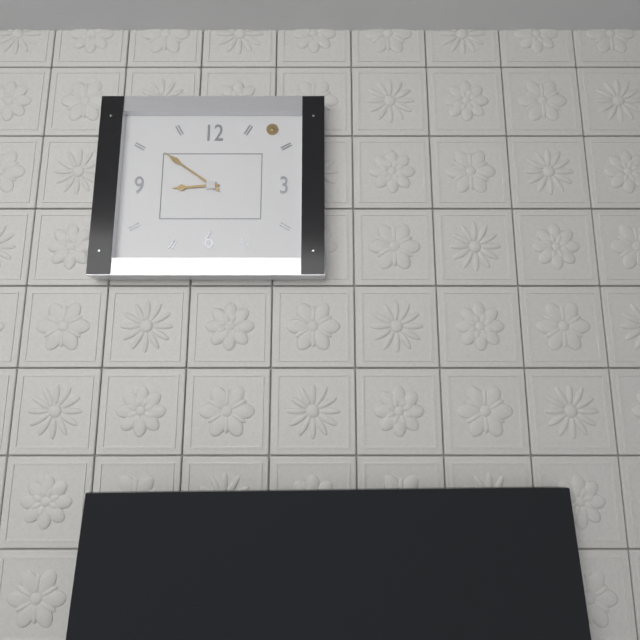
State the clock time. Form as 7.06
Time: 8.51
